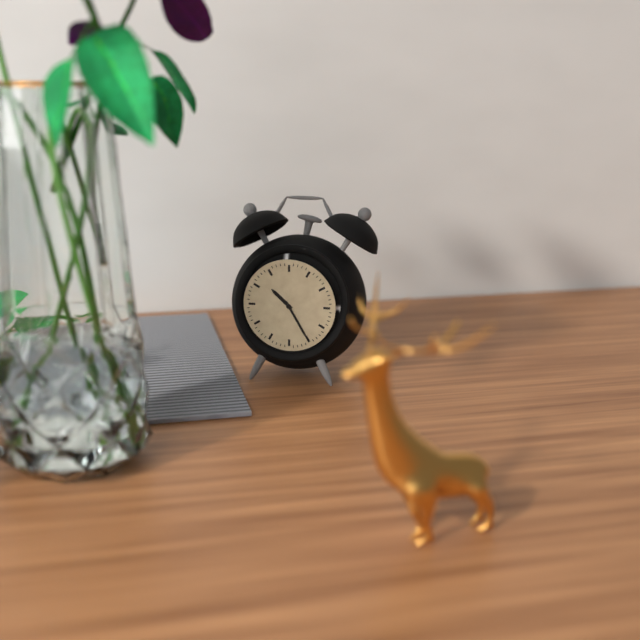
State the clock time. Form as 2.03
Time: 10.25
